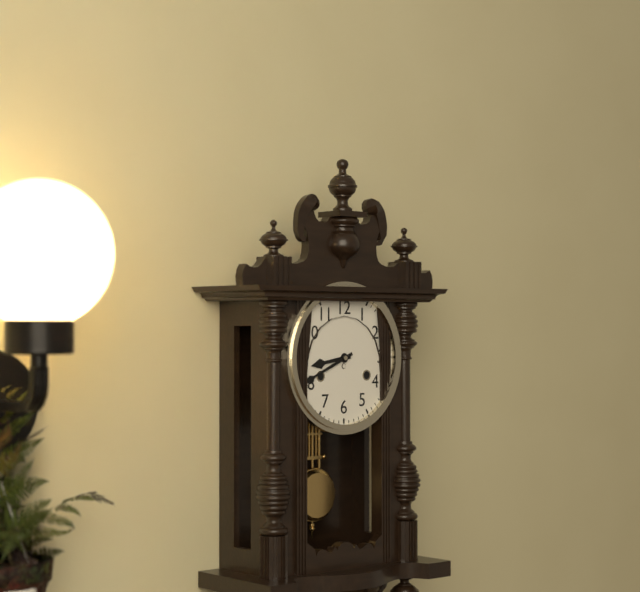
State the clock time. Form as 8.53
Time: 8.41
